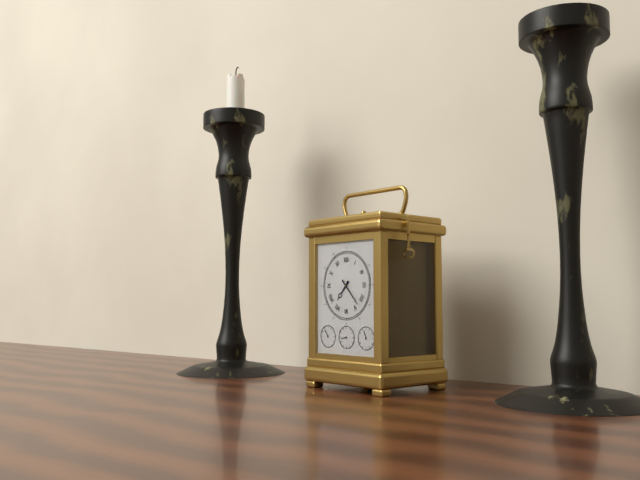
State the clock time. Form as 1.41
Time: 7.23
